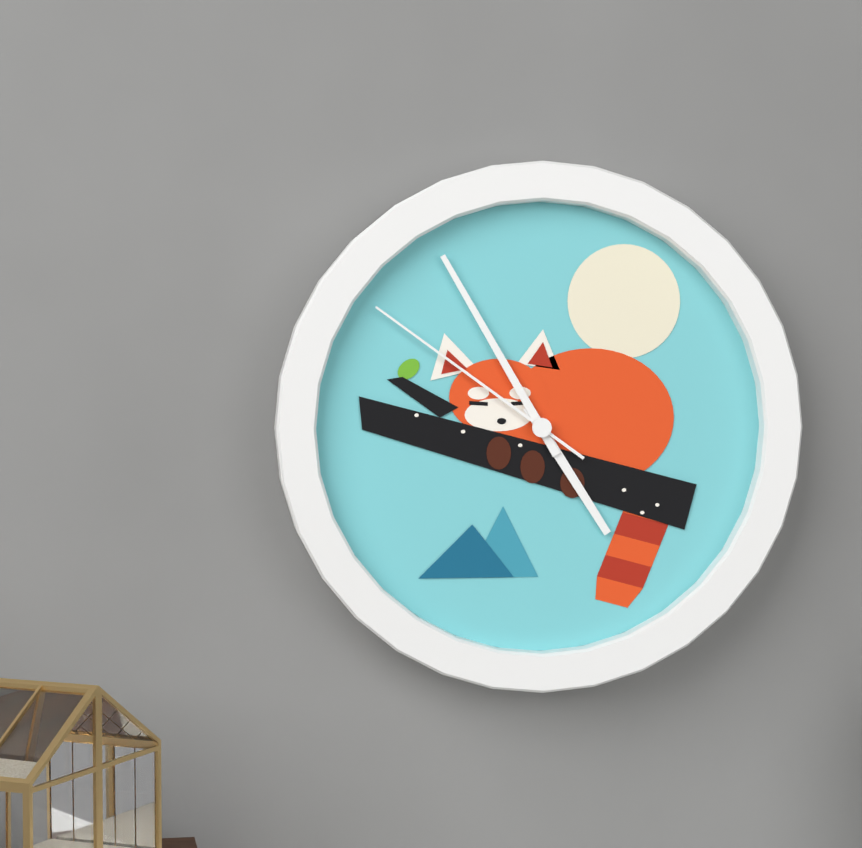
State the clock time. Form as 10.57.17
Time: 4.55.51
